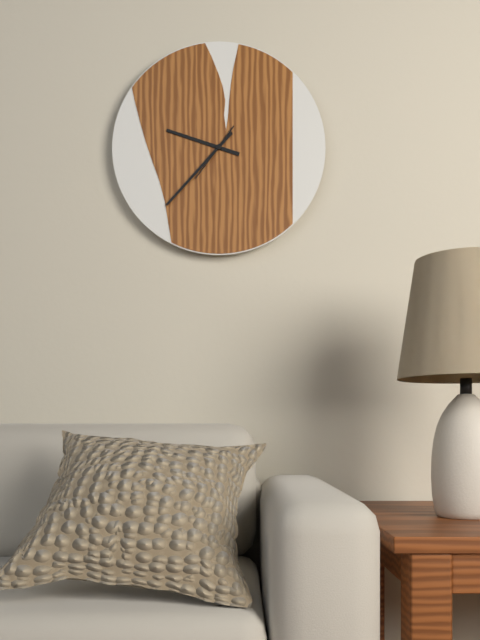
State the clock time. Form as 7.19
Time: 9.37
